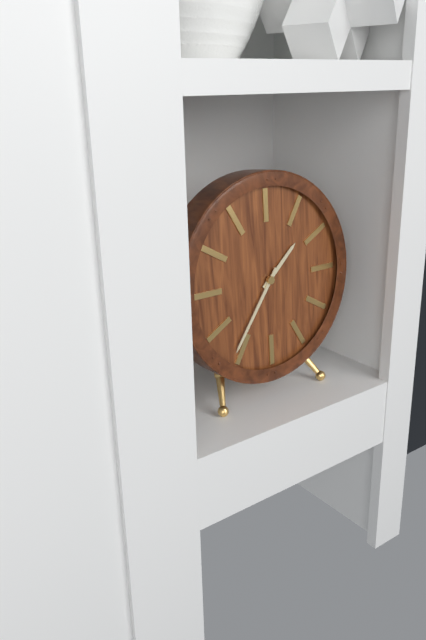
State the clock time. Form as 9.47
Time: 1.36
